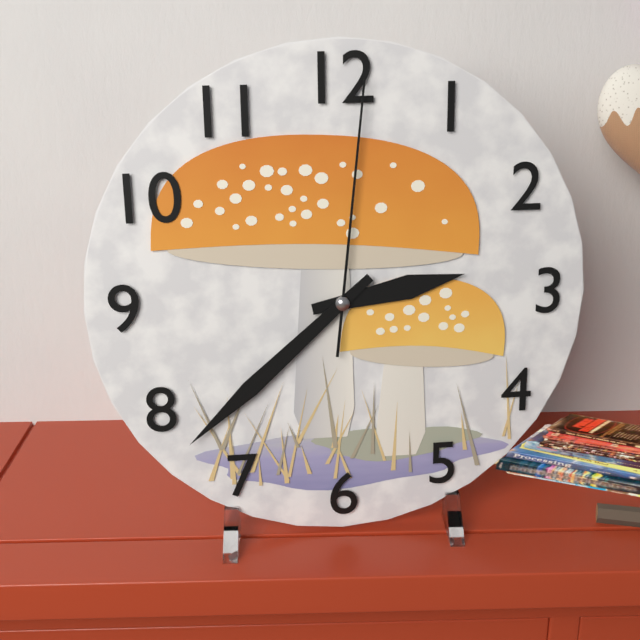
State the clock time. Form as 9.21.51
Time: 2.38.01
